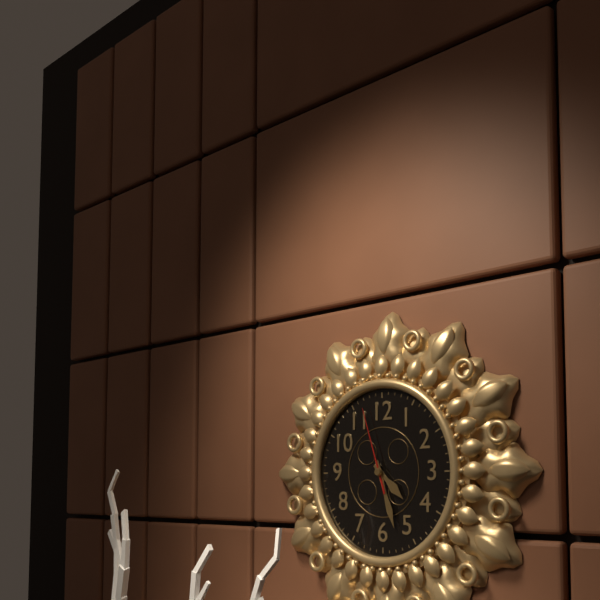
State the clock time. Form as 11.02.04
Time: 4.27.57
